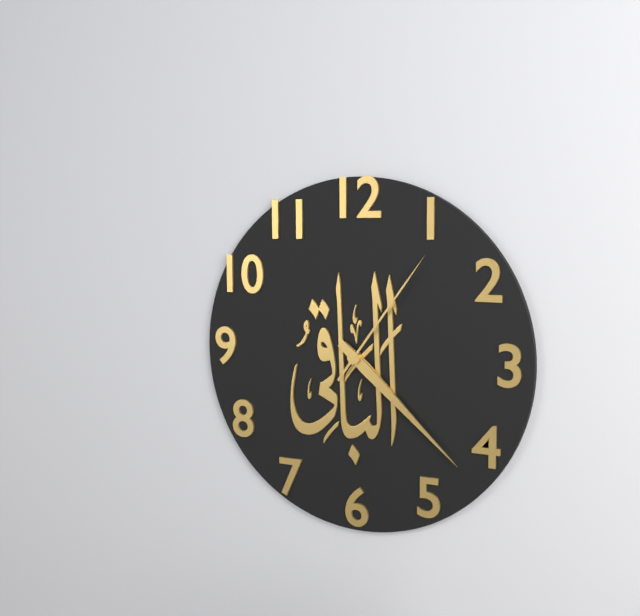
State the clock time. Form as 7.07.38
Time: 4.22.06
